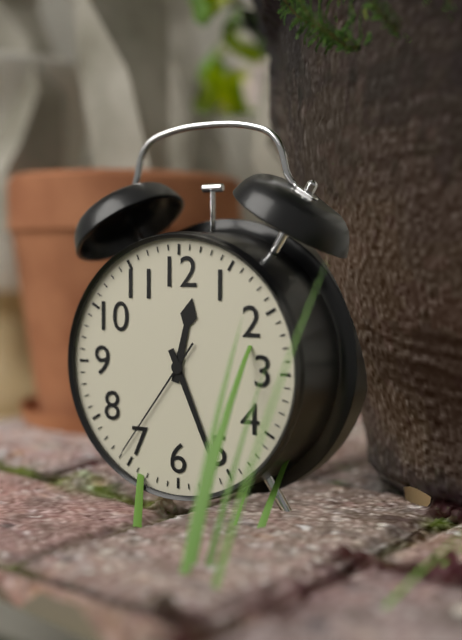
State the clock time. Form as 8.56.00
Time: 12.26.36
